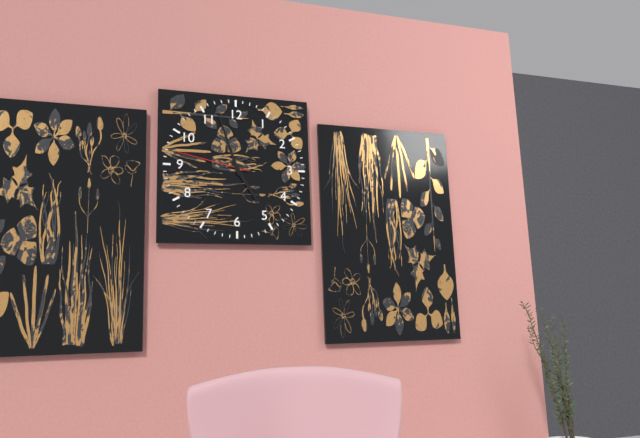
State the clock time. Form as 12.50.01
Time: 4.57.47
